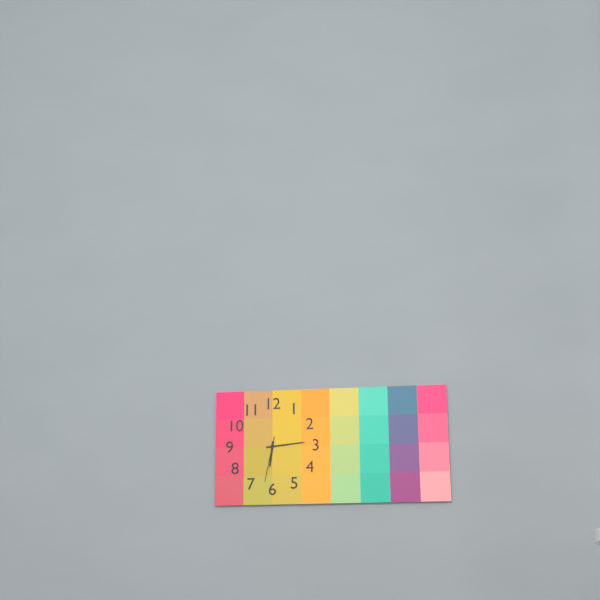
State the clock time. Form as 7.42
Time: 6.14
